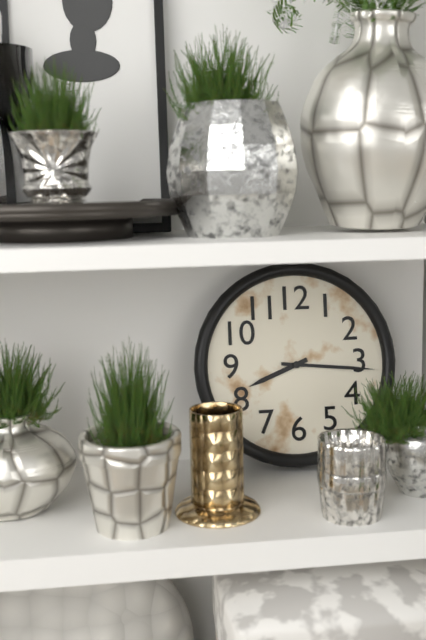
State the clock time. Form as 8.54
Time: 8.16
